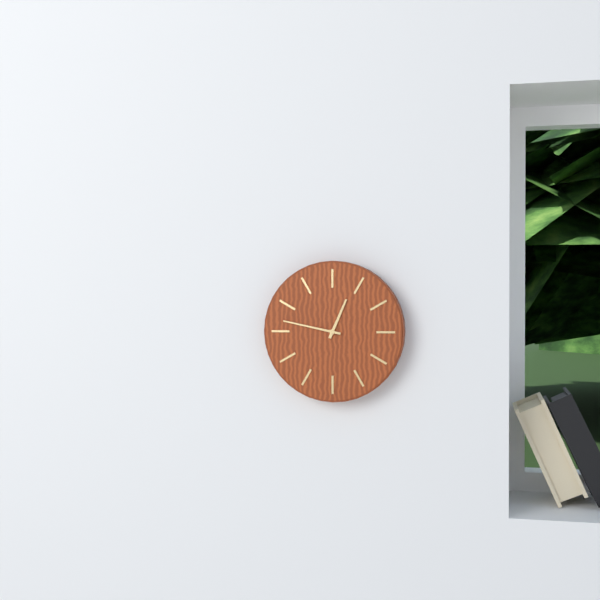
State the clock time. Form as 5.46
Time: 12.47
